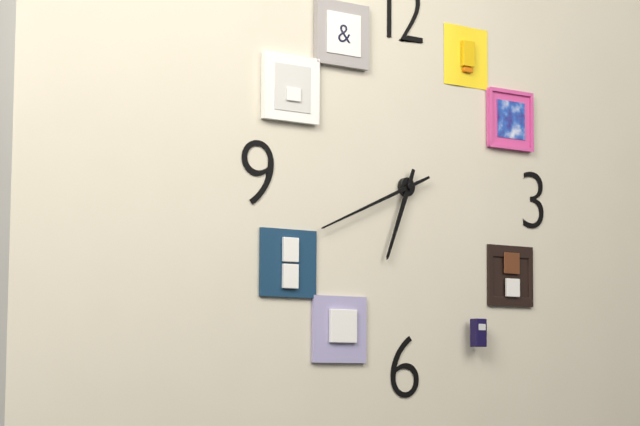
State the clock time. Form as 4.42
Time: 6.41
